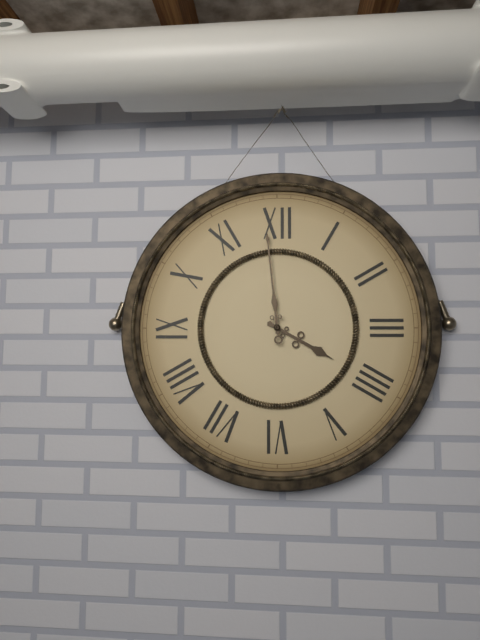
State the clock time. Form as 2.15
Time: 3.59
